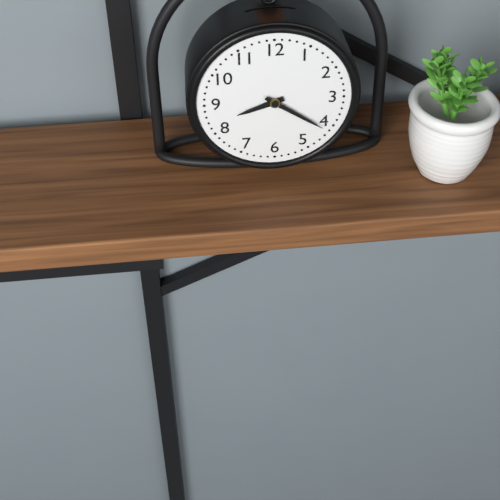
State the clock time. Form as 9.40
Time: 8.21
